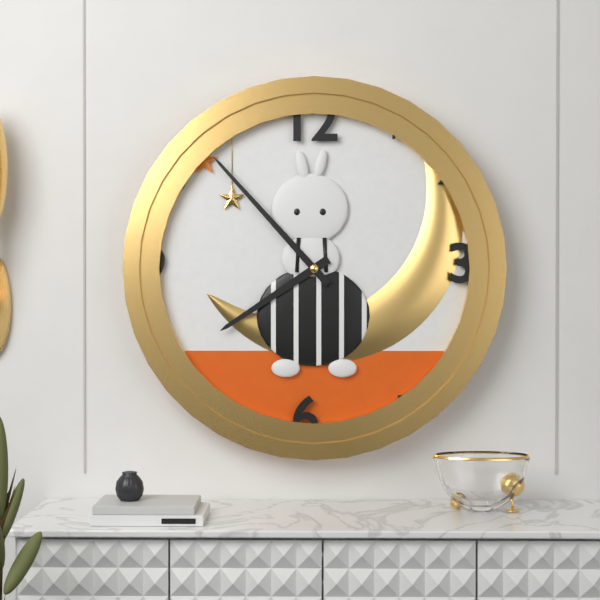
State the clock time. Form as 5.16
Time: 7.53
